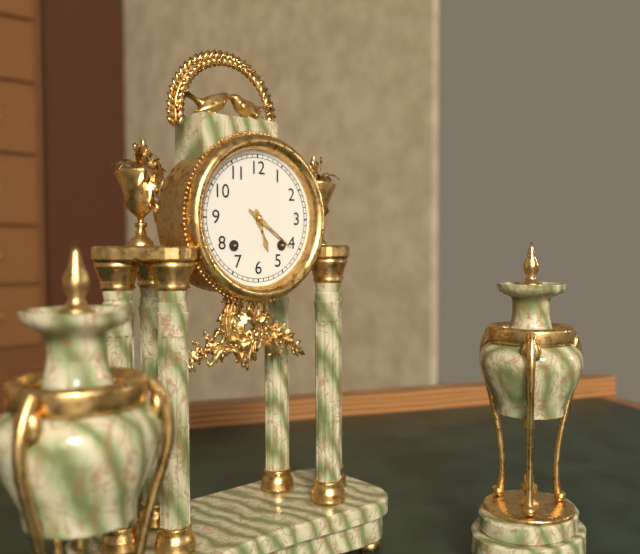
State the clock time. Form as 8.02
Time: 5.21
